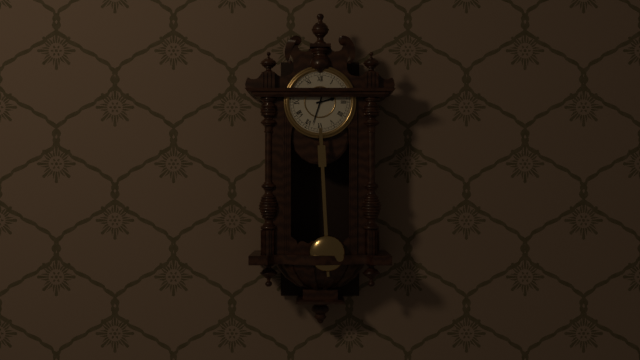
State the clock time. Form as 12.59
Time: 2.33
